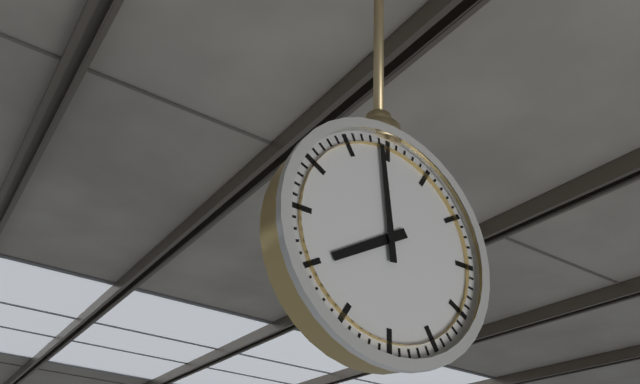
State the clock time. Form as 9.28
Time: 7.59
